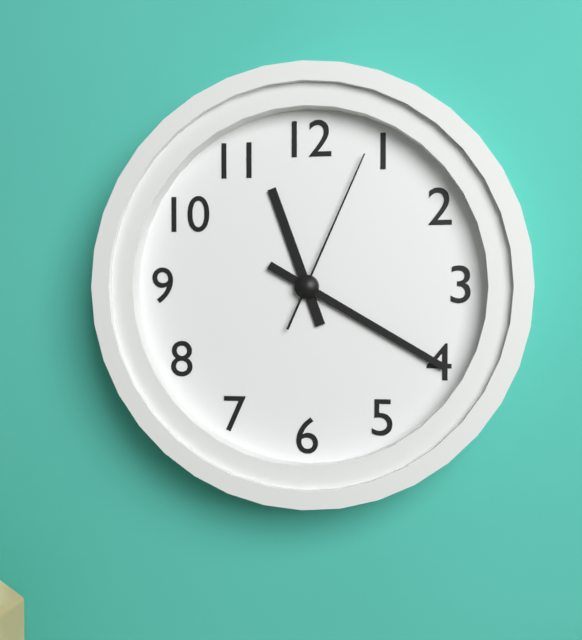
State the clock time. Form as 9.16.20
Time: 11.20.04
